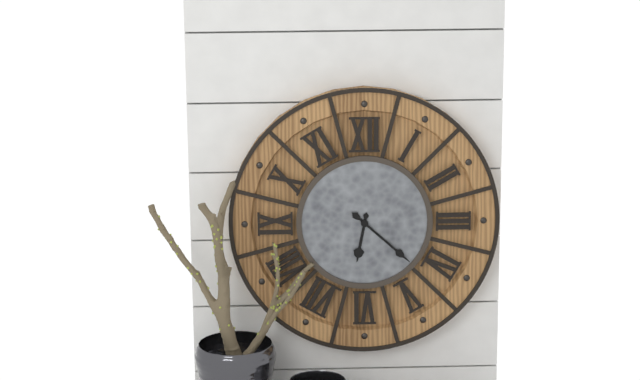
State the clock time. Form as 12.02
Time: 6.22
